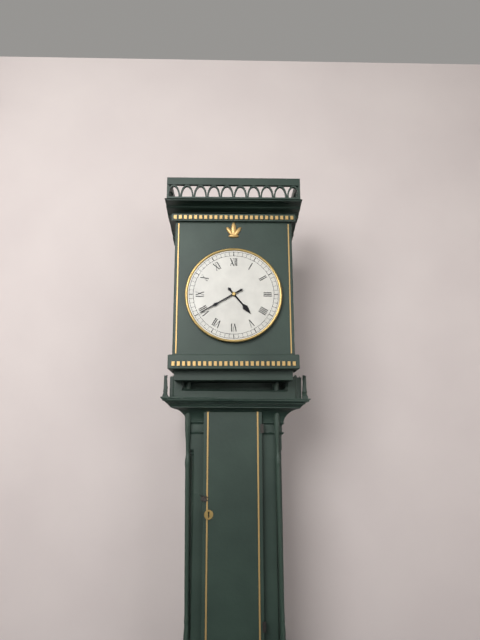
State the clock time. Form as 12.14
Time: 4.40
